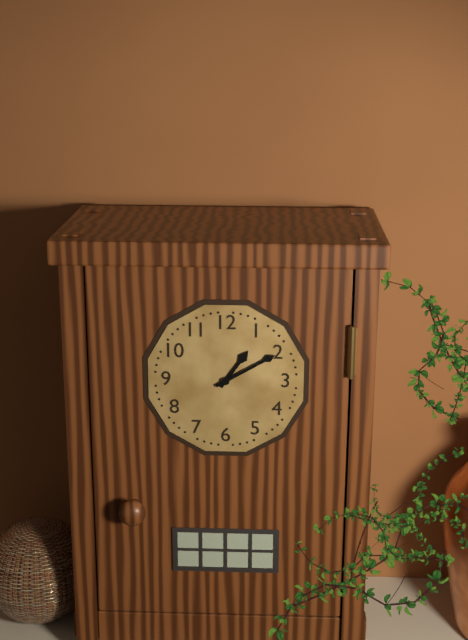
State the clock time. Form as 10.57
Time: 1.10
